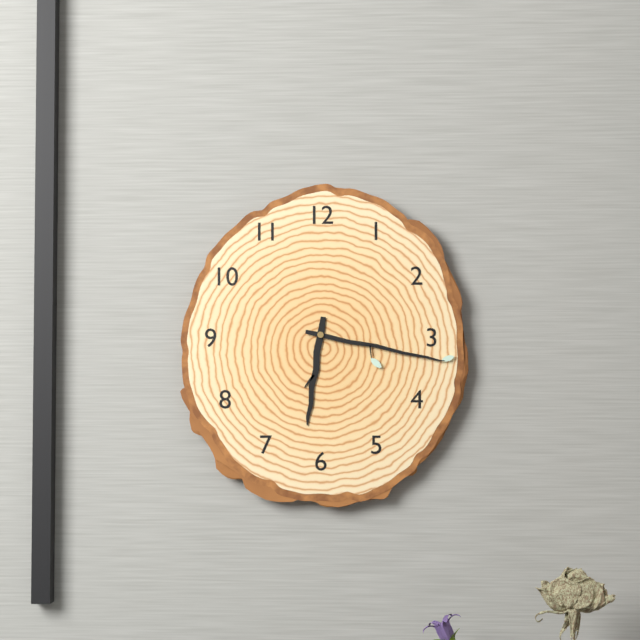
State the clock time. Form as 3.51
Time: 6.17
